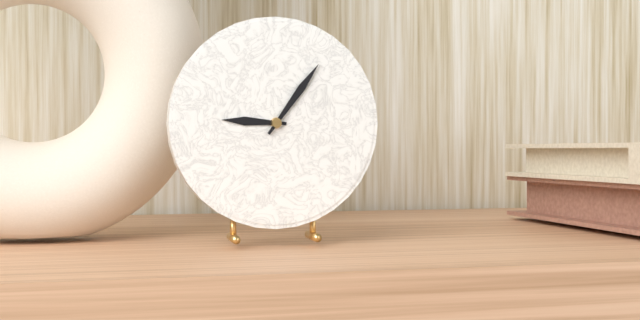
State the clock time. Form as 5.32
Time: 9.06
